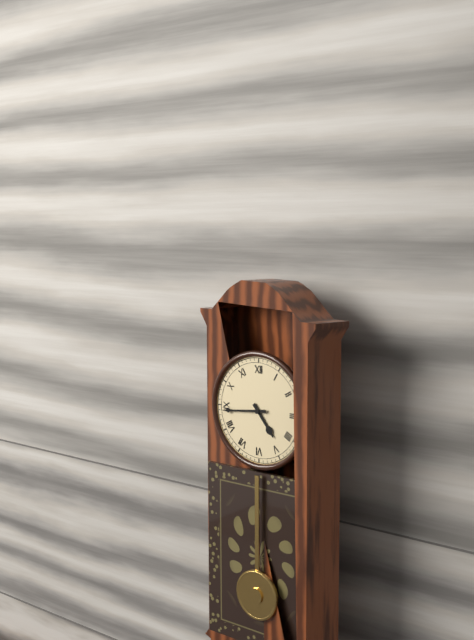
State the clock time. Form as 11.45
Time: 4.44
